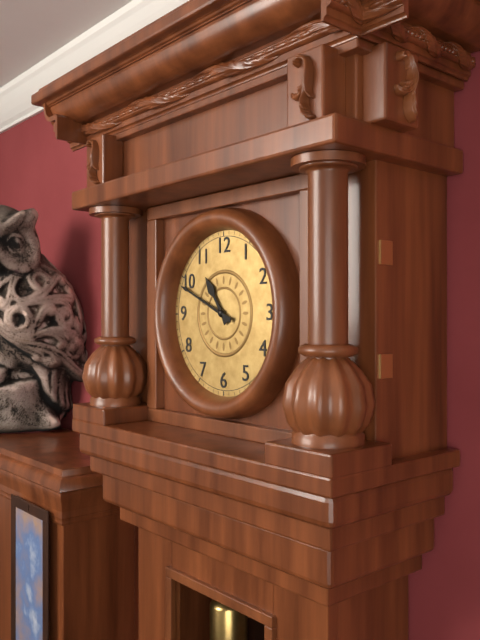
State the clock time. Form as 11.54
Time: 10.49
